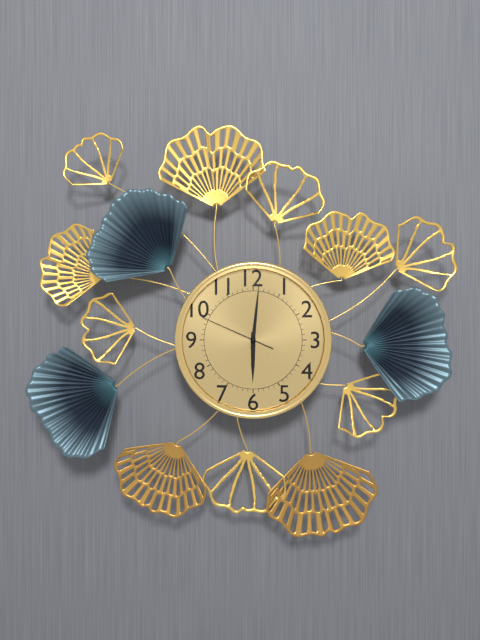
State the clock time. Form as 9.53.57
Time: 6.01.49
